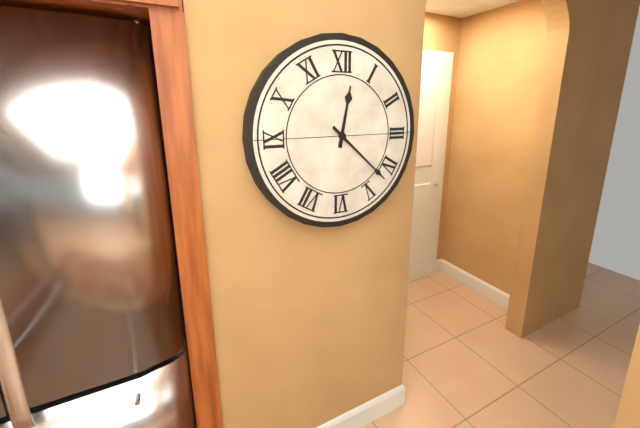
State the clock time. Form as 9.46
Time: 12.22
